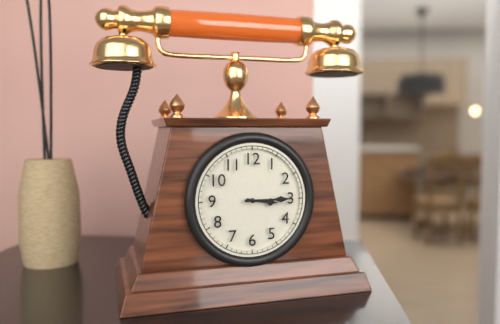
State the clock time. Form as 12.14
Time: 3.15
